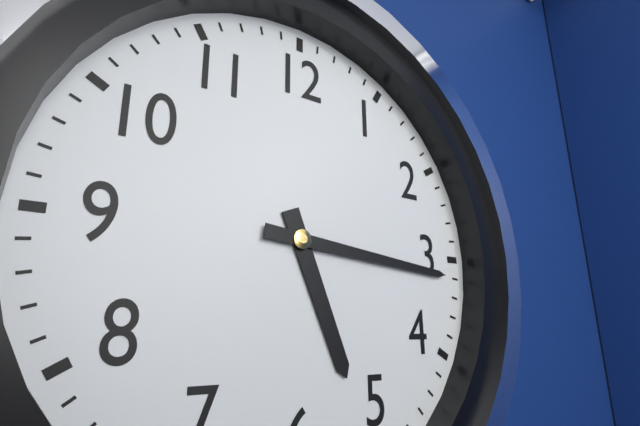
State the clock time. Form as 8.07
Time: 5.16
